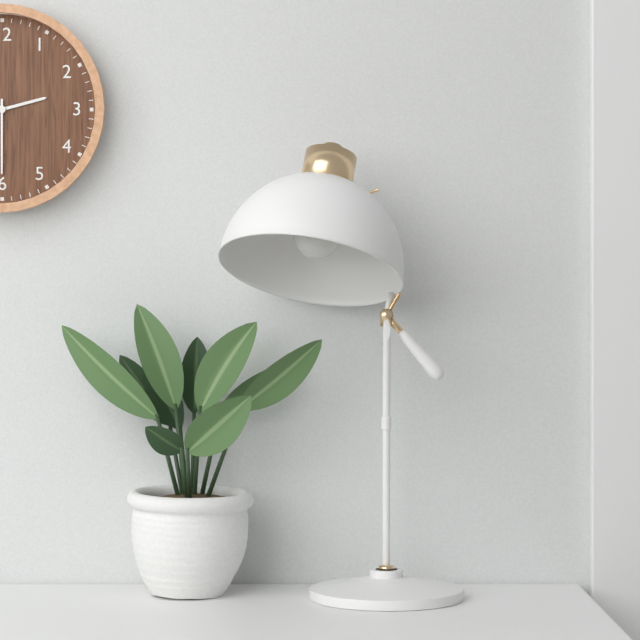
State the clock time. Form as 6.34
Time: 2.30
